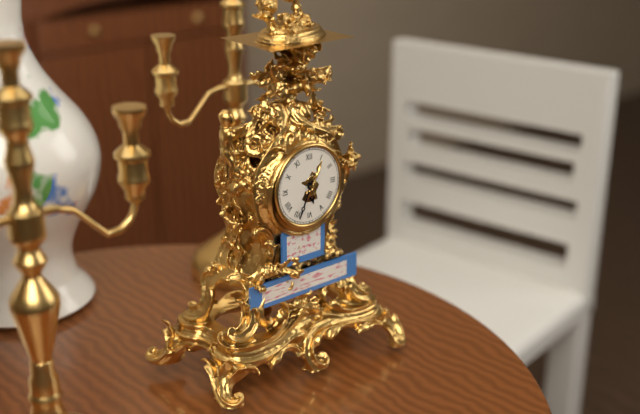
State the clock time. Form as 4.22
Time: 5.34
